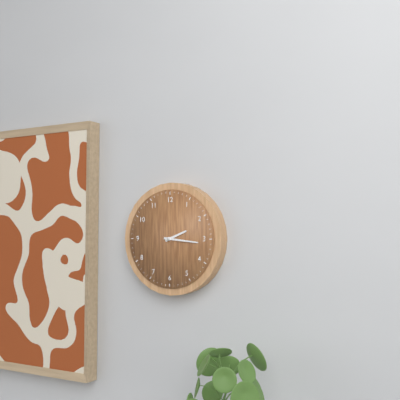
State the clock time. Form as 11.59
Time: 2.16
